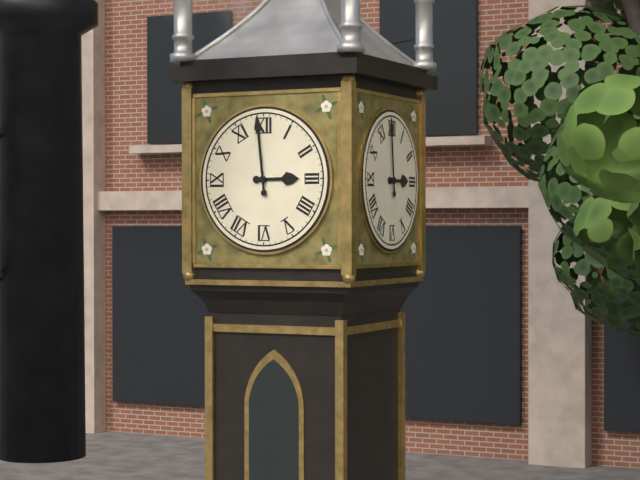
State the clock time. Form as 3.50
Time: 2.59
